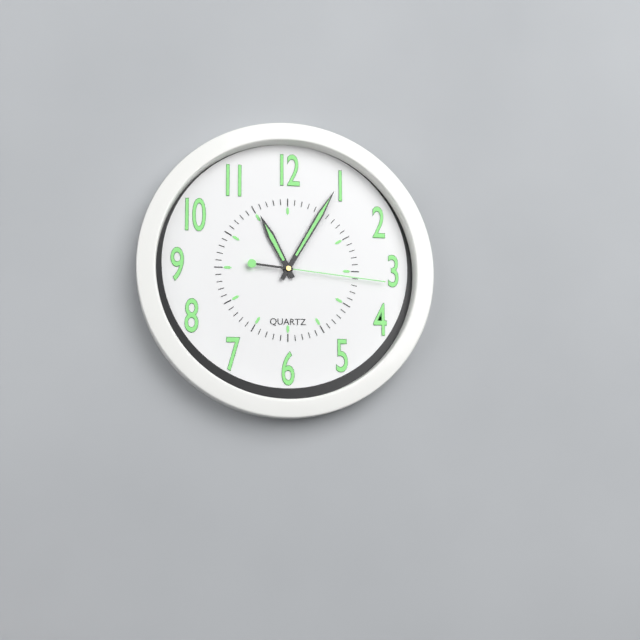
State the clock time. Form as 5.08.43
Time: 11.05.16
